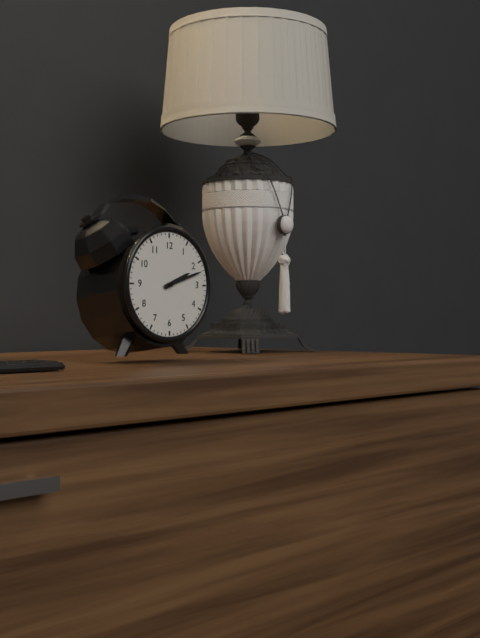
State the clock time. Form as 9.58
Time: 2.12
